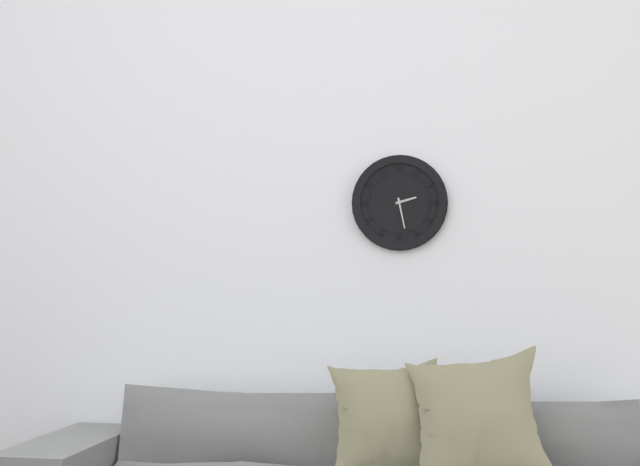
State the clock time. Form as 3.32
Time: 2.28
